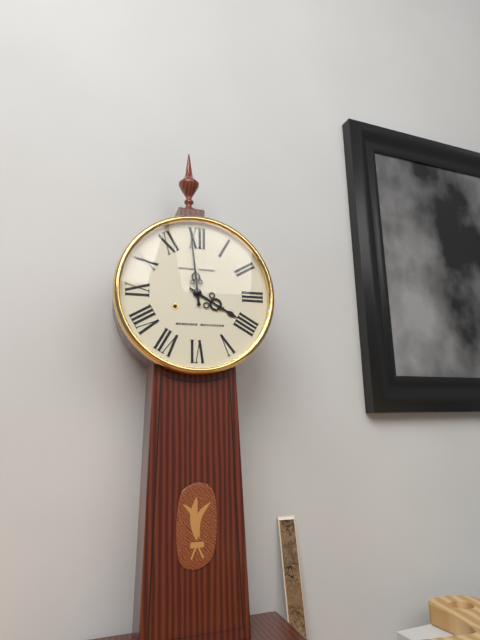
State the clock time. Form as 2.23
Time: 3.59
